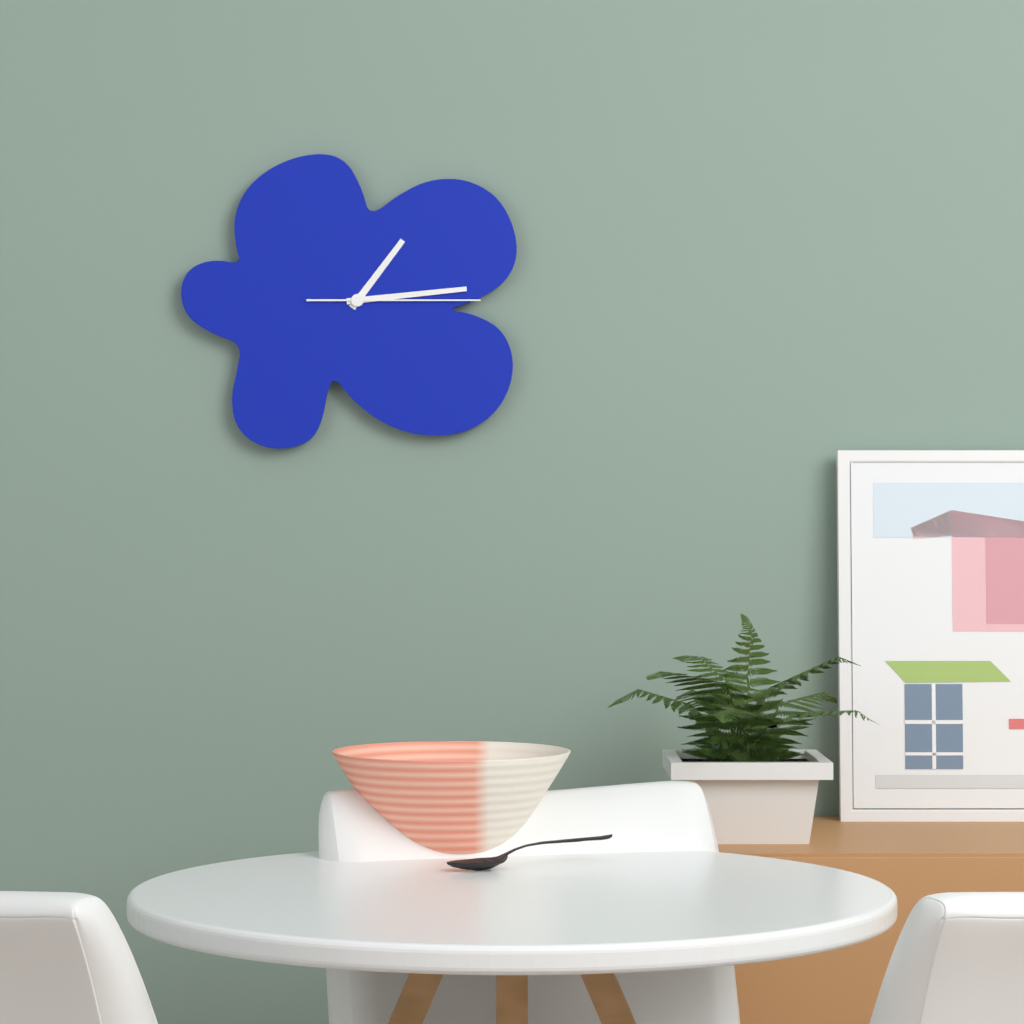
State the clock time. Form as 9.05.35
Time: 1.14.15
